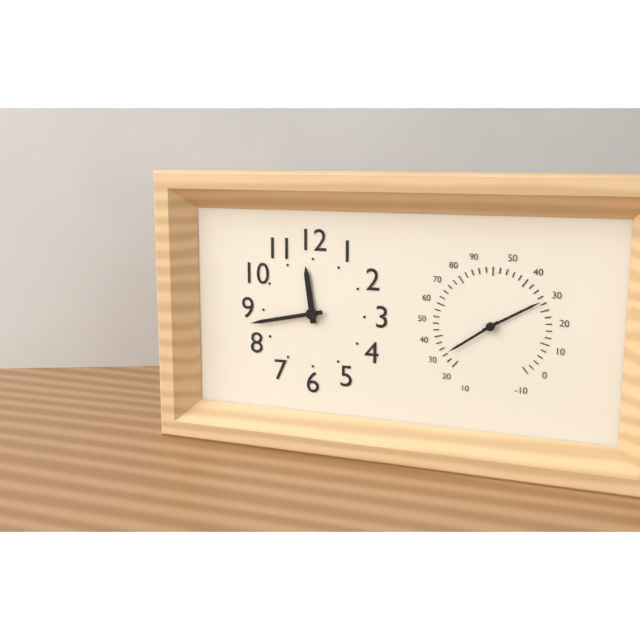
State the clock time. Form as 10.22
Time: 11.43
